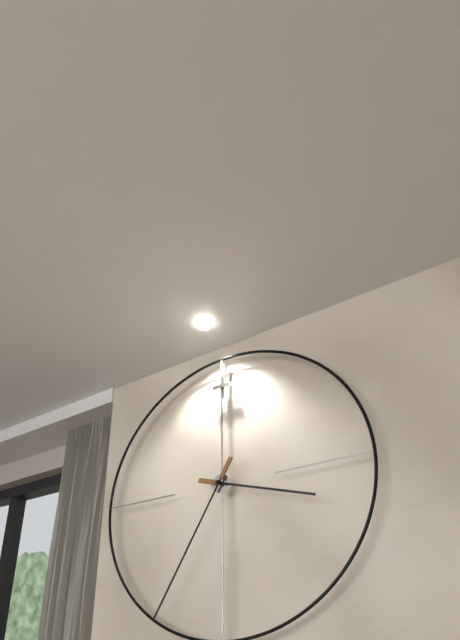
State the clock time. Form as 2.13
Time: 3.35
